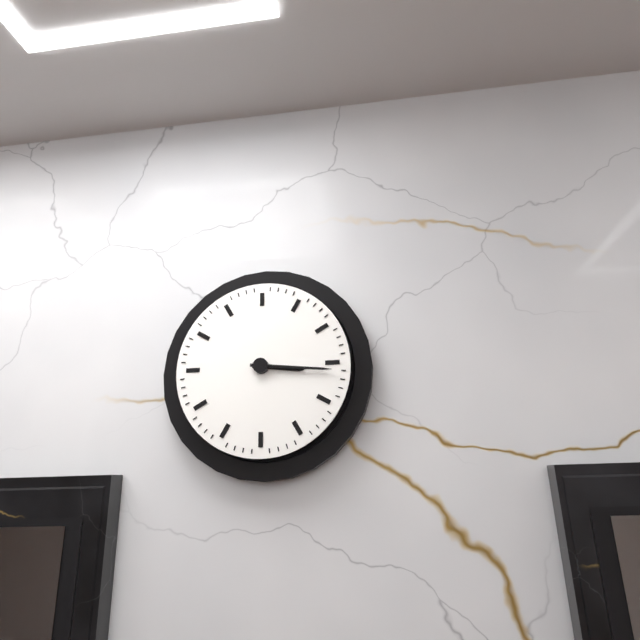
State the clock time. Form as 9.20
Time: 3.16
